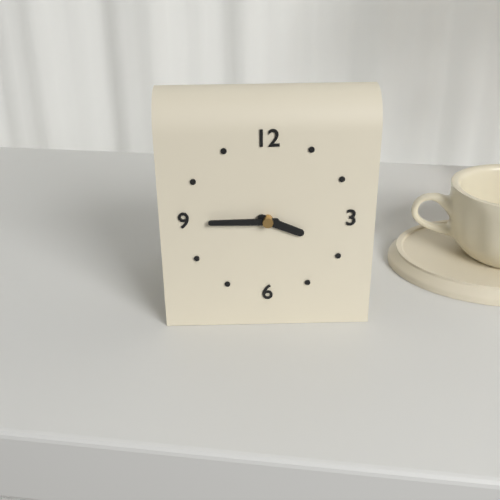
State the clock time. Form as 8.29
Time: 3.45
